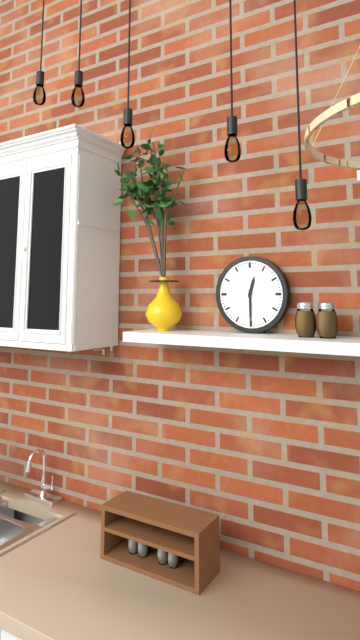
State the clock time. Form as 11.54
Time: 12.30
